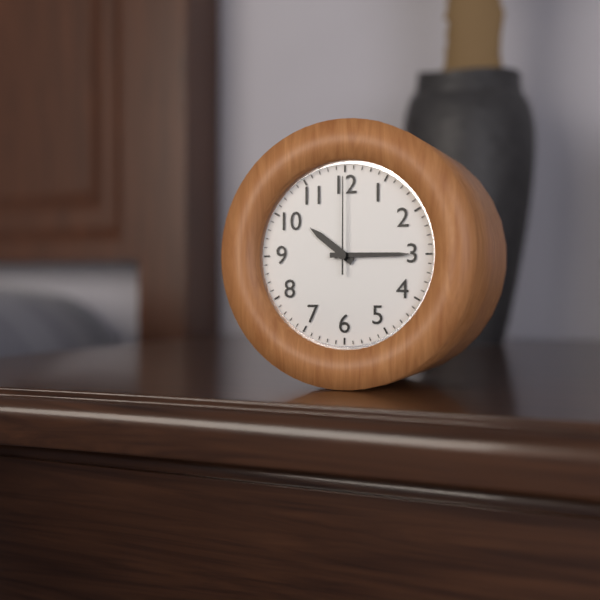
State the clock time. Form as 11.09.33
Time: 10.15.00
